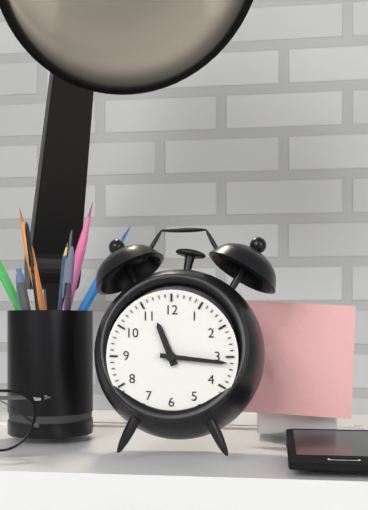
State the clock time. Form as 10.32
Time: 11.16
